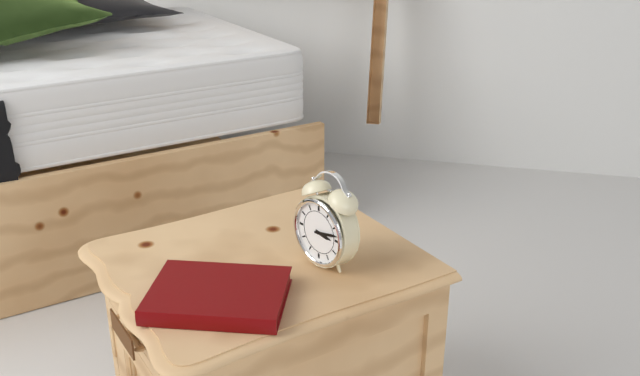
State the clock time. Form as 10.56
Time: 3.13
